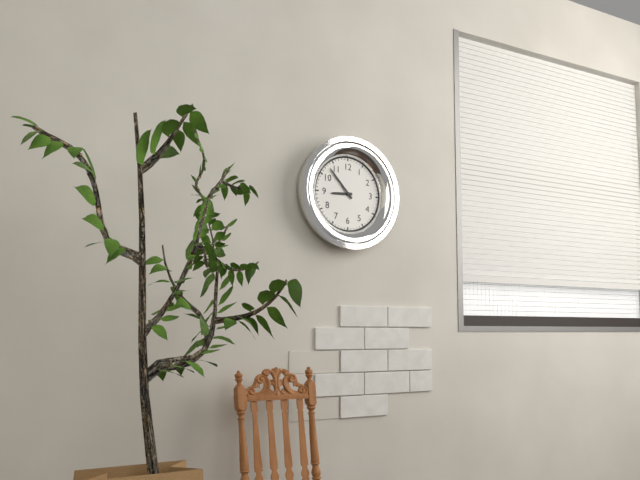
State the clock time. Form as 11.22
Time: 8.53
